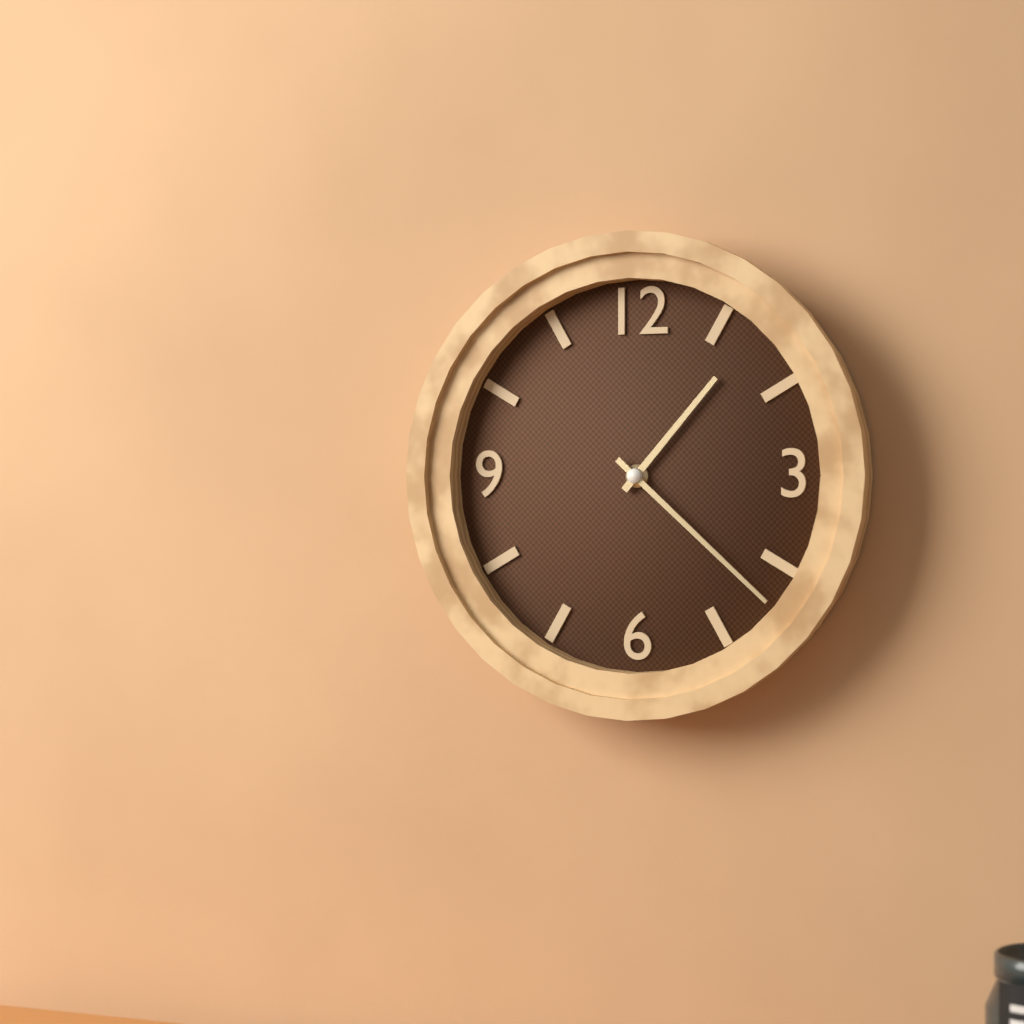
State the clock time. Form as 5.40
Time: 1.22
